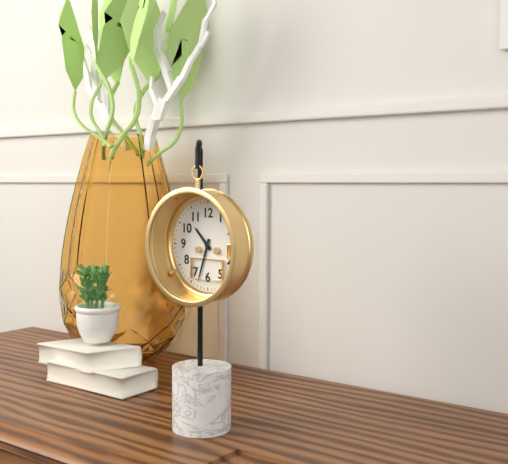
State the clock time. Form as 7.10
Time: 10.33
